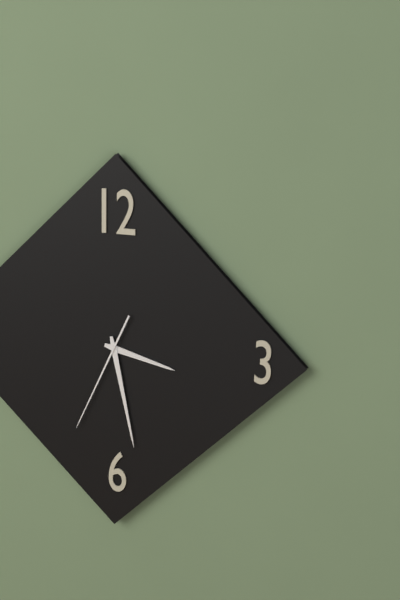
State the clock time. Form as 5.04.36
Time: 3.28.34
